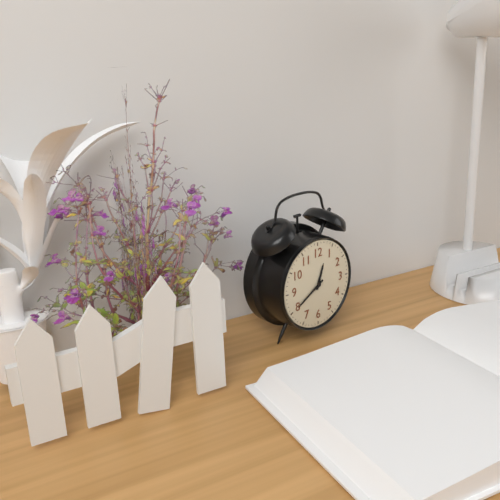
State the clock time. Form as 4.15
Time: 12.40
